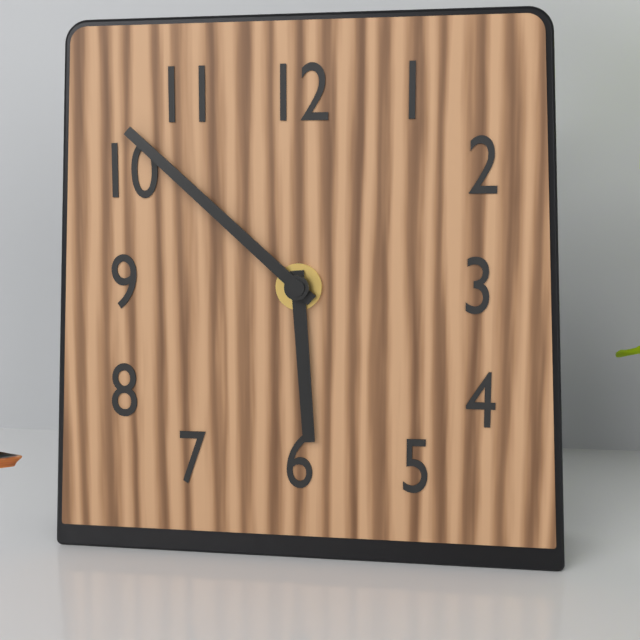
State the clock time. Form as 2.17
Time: 5.52
